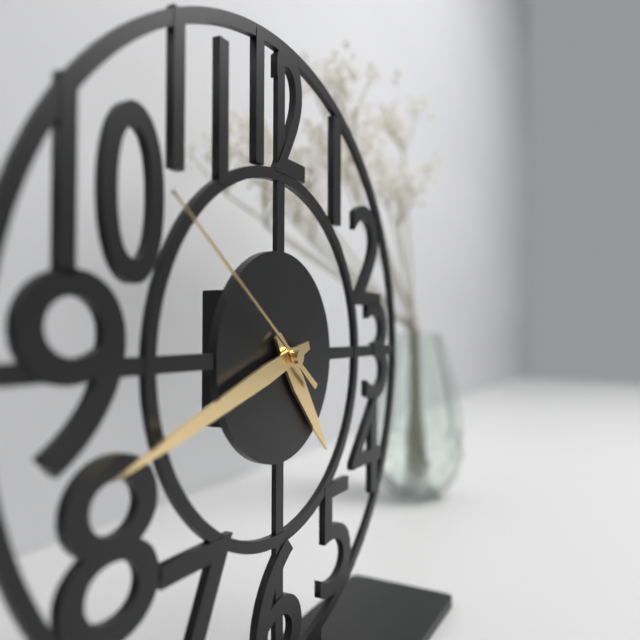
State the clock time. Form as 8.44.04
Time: 4.42.51
